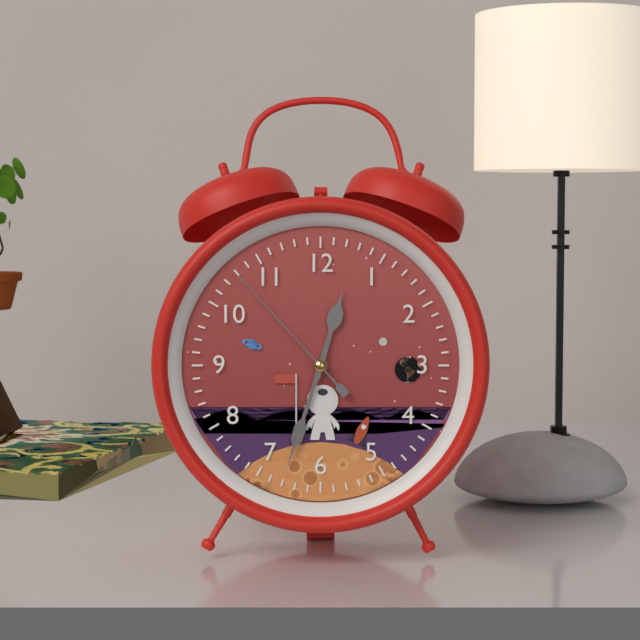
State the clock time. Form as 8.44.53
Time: 12.33.53
